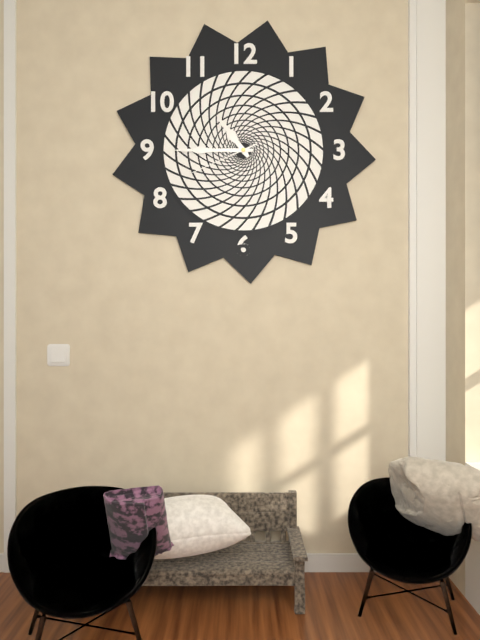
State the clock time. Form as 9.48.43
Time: 10.45.41
